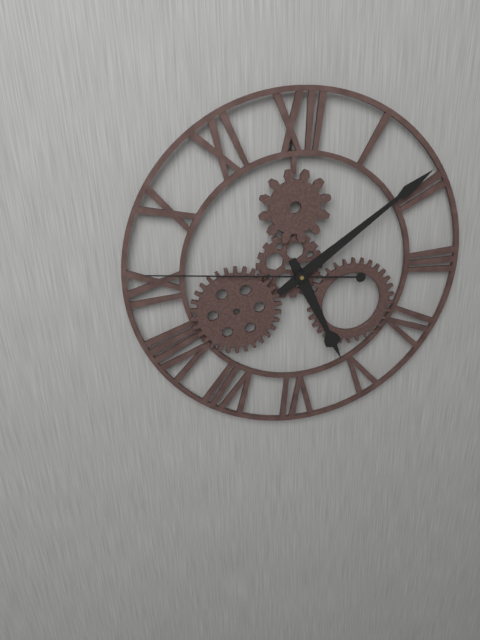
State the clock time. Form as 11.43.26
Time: 5.09.46
